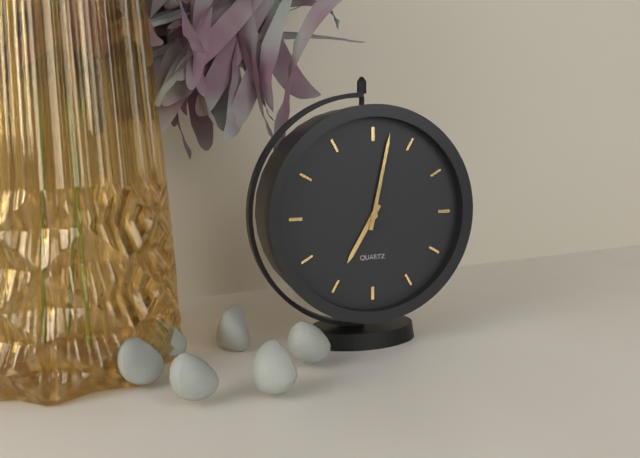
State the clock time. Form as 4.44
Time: 7.02
